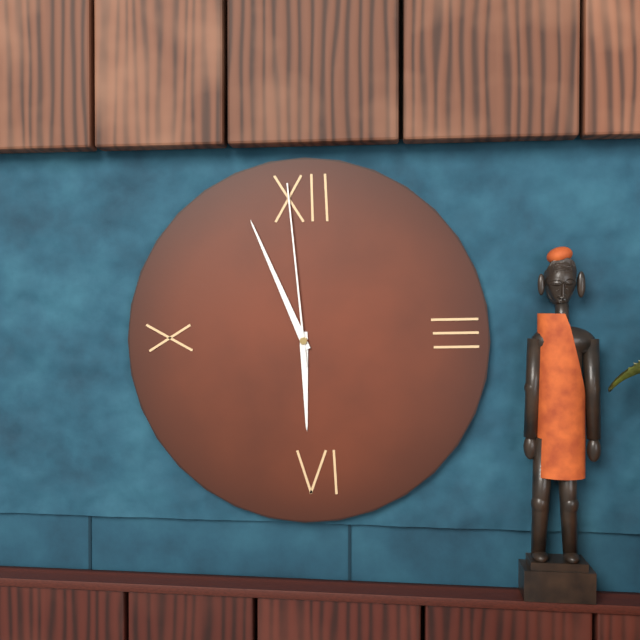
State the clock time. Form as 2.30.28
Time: 5.56.59
